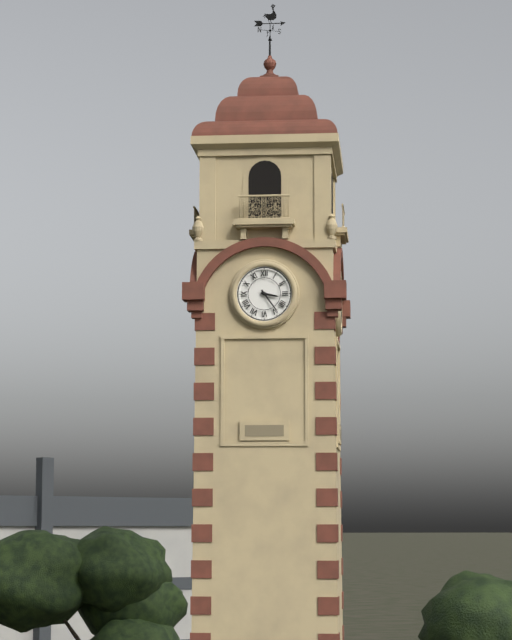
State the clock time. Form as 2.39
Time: 3.24
